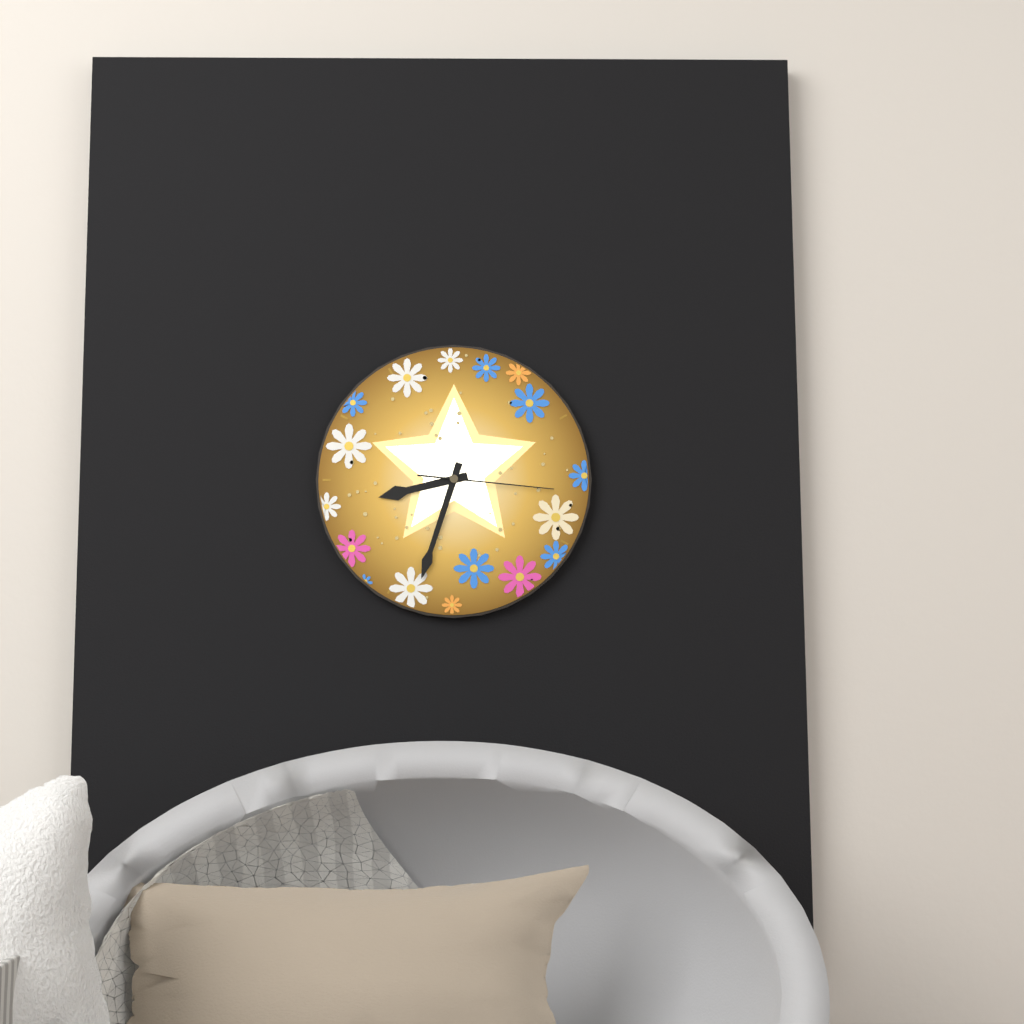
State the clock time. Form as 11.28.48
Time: 8.33.16
